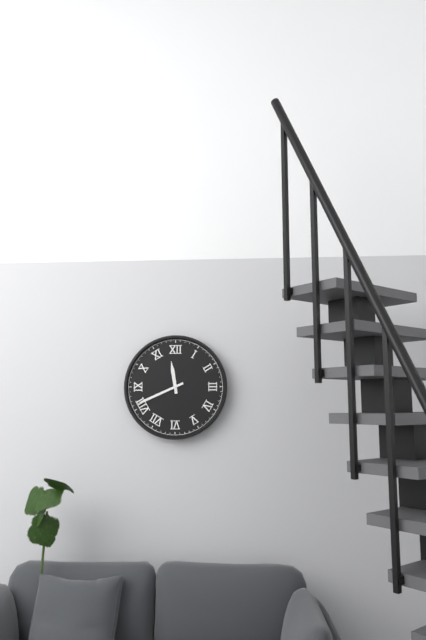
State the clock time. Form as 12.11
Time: 11.41
